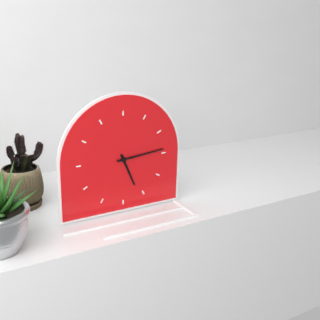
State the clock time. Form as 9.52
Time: 5.14
